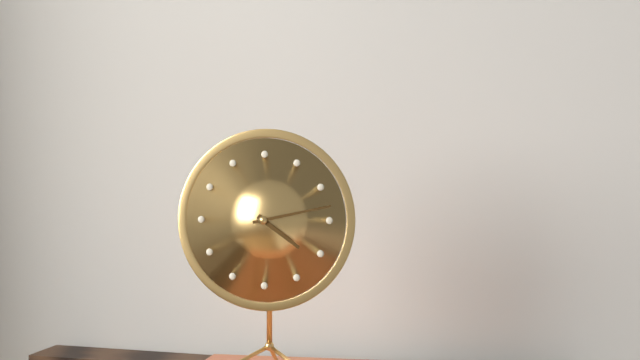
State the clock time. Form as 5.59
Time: 4.13
